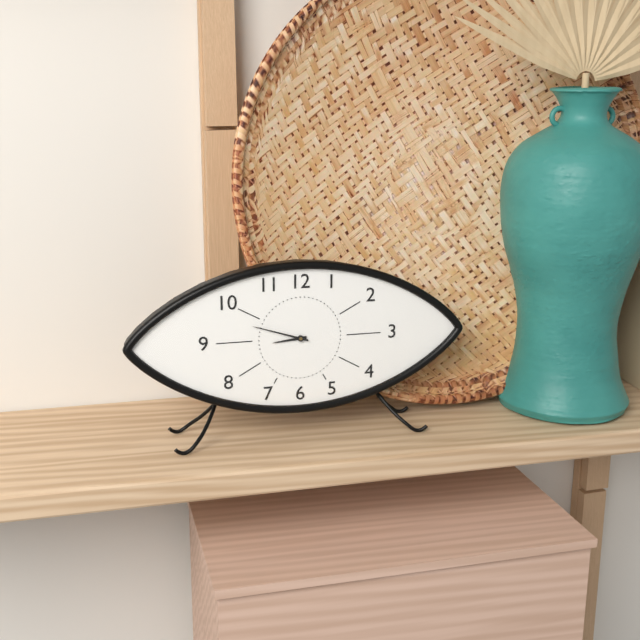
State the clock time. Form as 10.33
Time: 8.48
